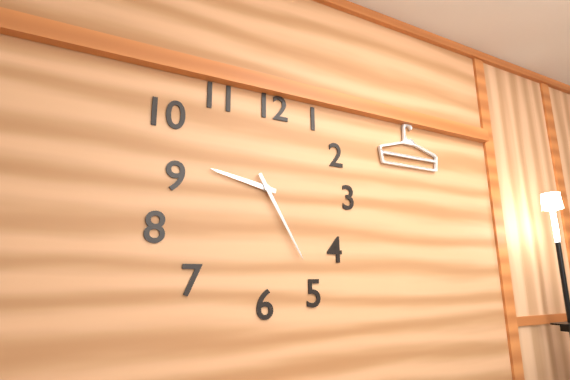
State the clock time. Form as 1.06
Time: 9.25
